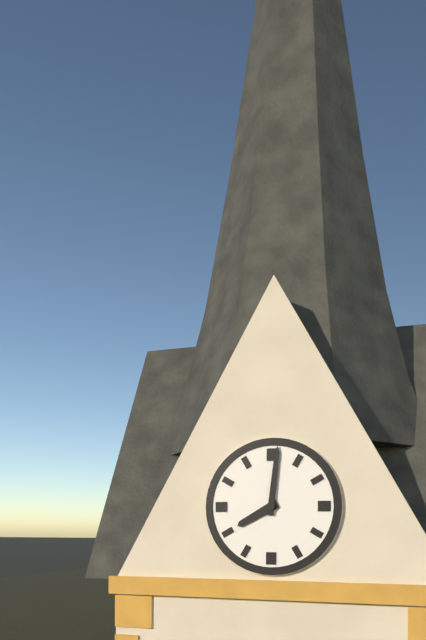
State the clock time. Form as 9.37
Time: 8.01
